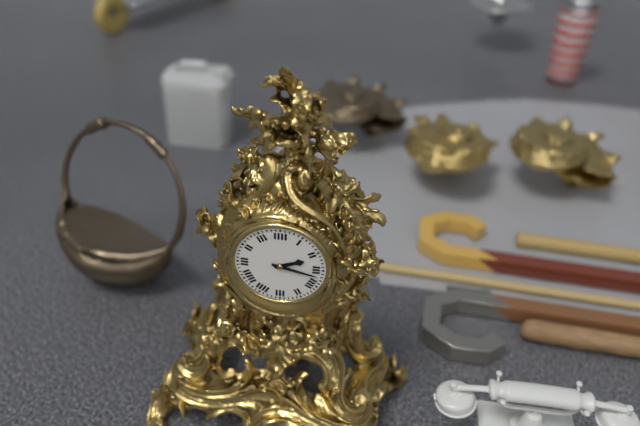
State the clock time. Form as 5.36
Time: 2.17
